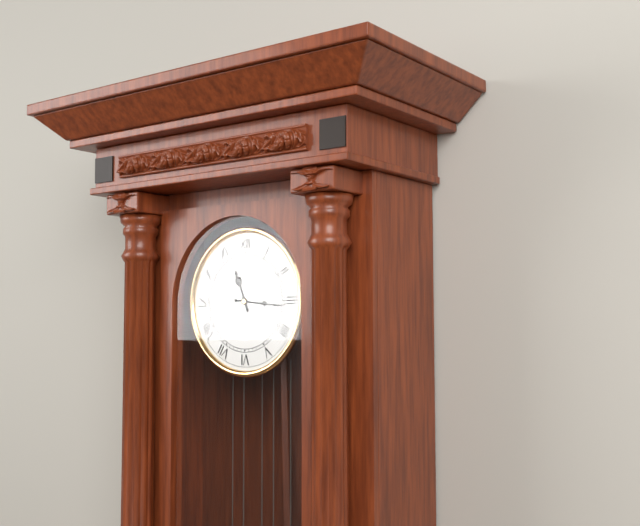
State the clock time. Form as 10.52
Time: 11.16
